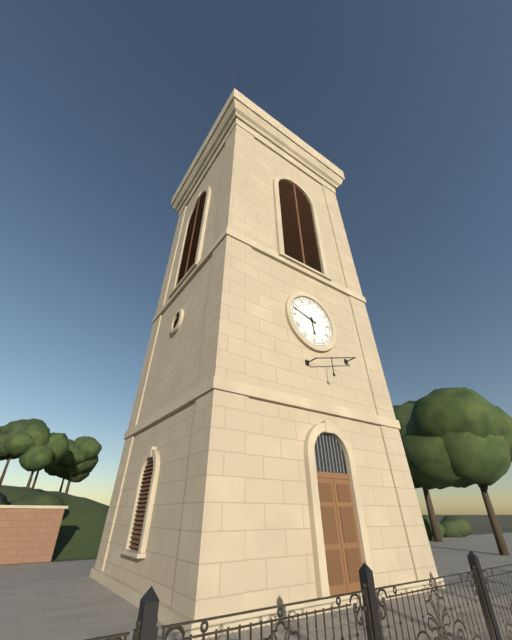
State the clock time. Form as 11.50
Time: 5.48
